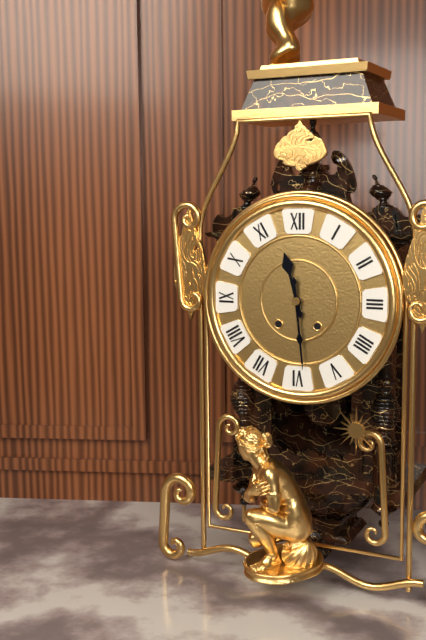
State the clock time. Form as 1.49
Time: 11.29
